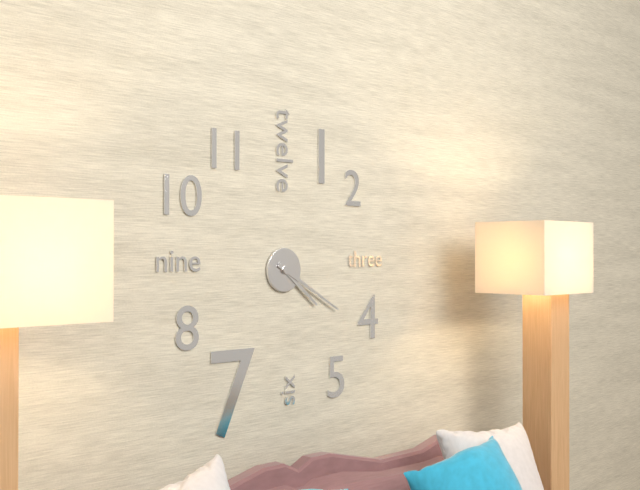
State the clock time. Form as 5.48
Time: 4.20
